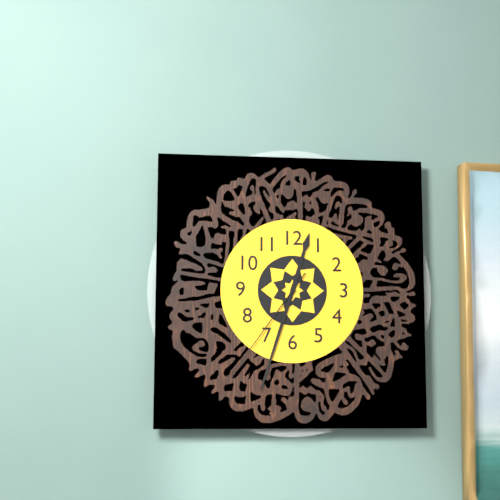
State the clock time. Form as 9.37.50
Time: 12.33.36
